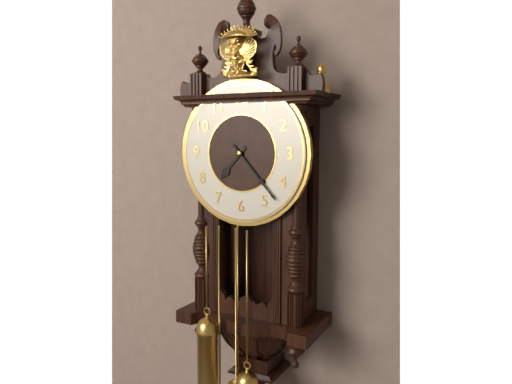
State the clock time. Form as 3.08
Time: 7.23
